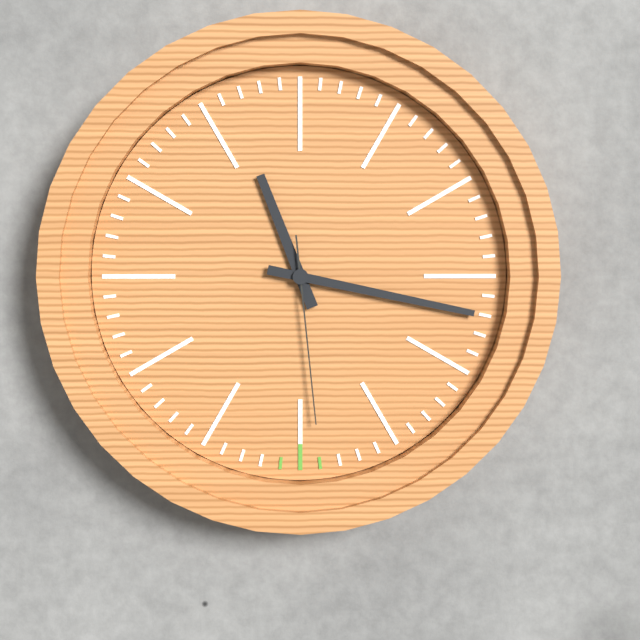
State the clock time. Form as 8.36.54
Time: 11.17.29
